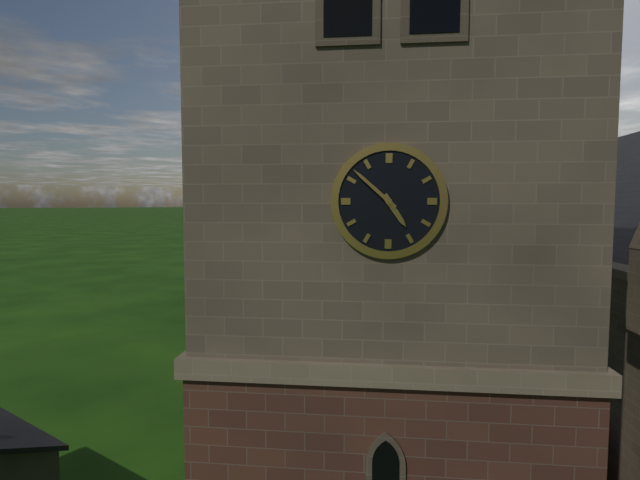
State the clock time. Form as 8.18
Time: 4.52
